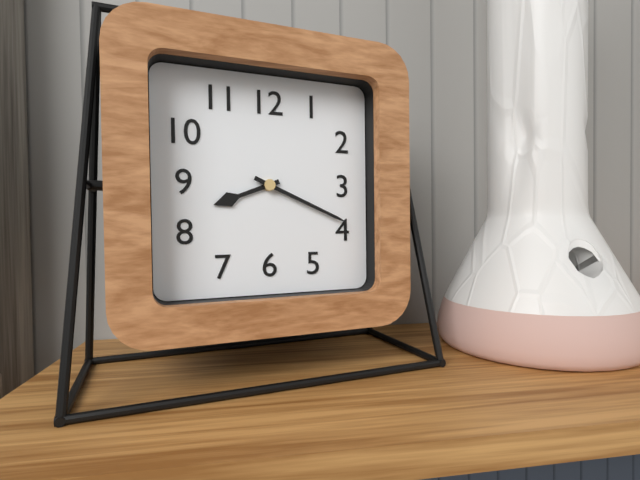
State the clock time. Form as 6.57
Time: 8.19
